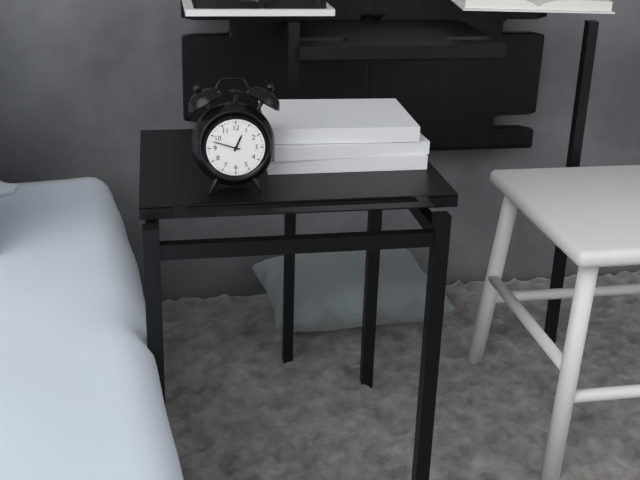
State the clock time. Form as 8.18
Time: 12.48
